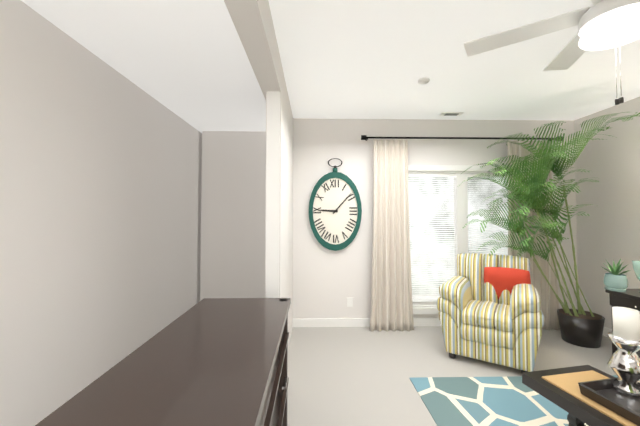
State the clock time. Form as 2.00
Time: 9.07
